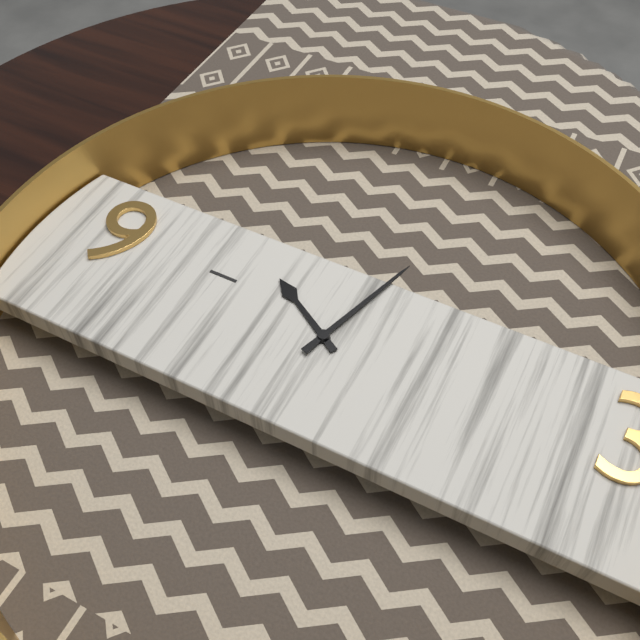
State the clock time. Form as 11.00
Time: 10.03
